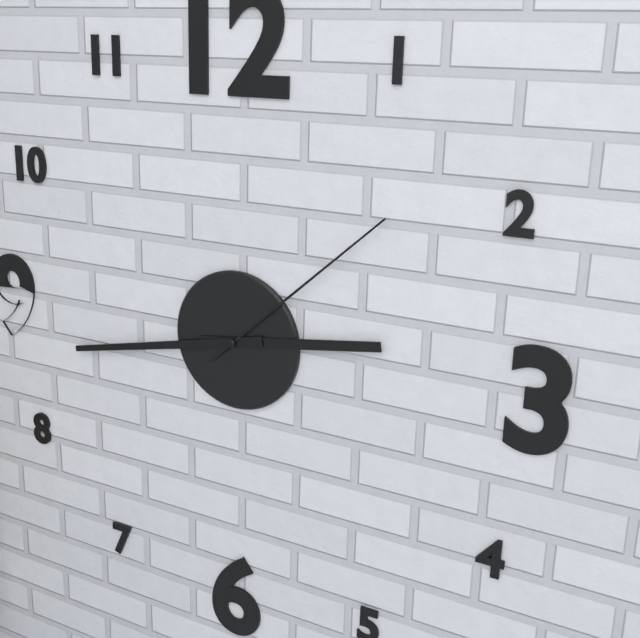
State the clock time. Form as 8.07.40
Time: 2.43.08
